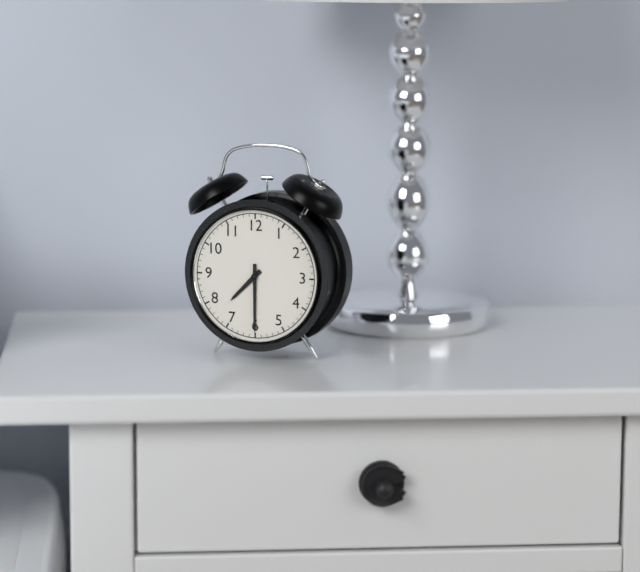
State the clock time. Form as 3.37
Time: 7.30
